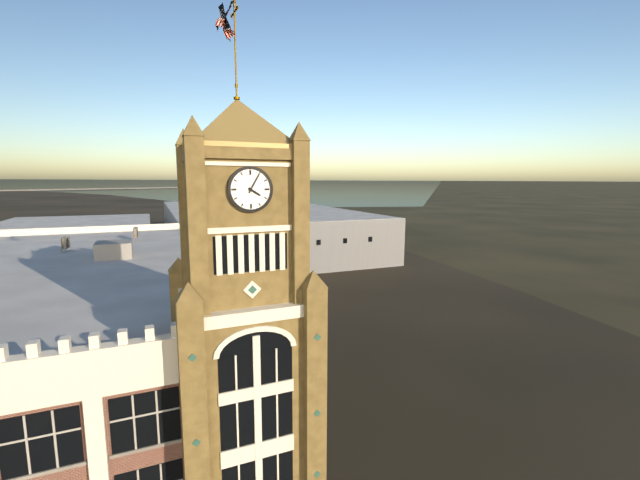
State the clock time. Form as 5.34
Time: 4.05
